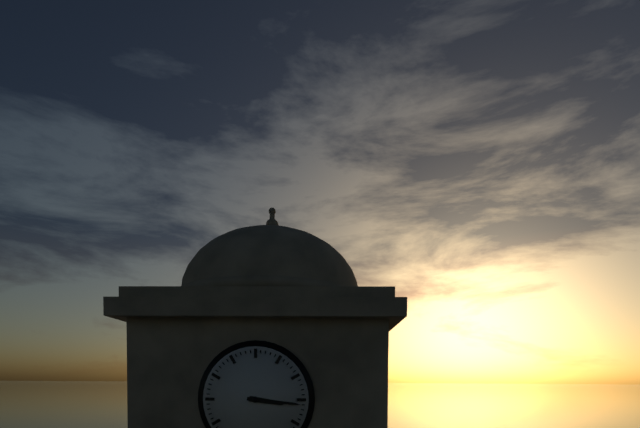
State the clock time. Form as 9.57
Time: 3.16
